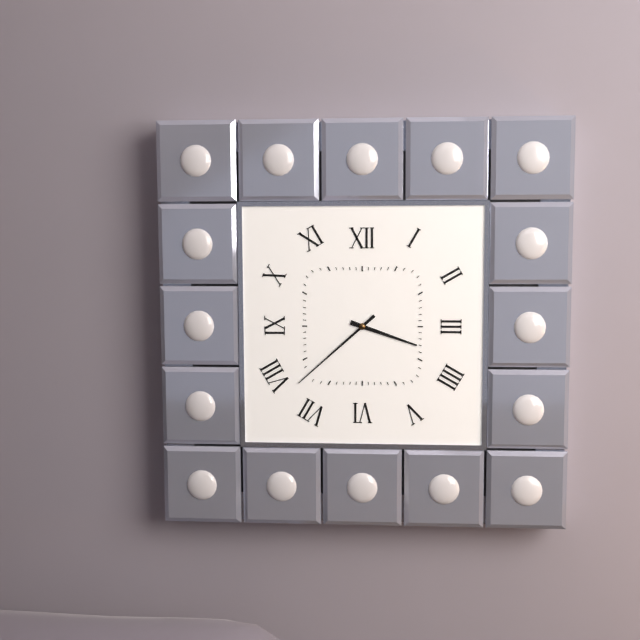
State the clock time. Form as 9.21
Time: 3.38
